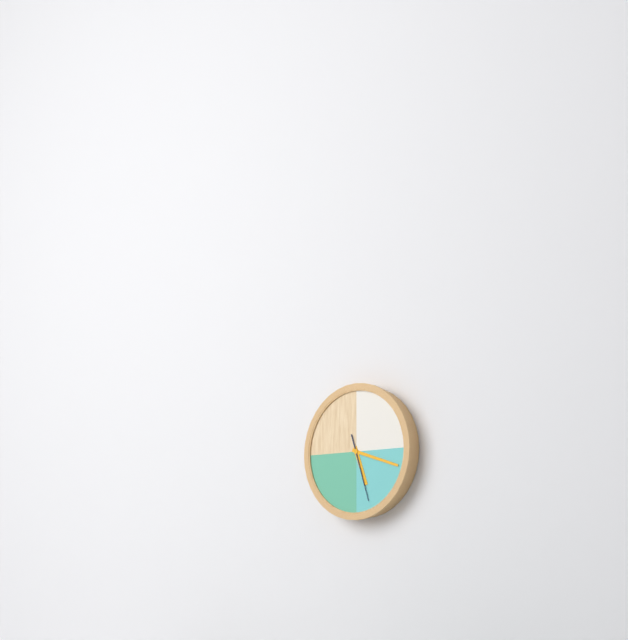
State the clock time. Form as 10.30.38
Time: 5.18.27
